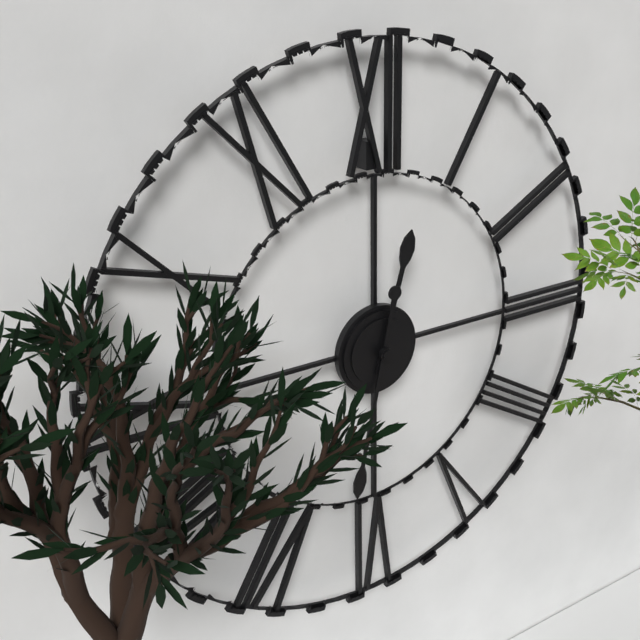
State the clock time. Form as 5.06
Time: 12.32
